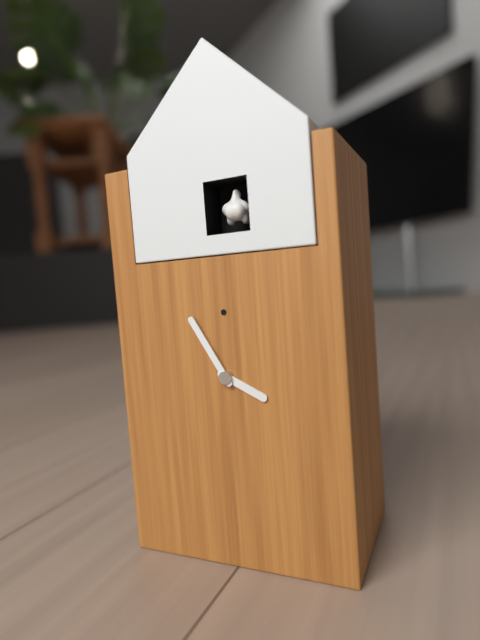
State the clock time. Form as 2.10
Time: 3.55
